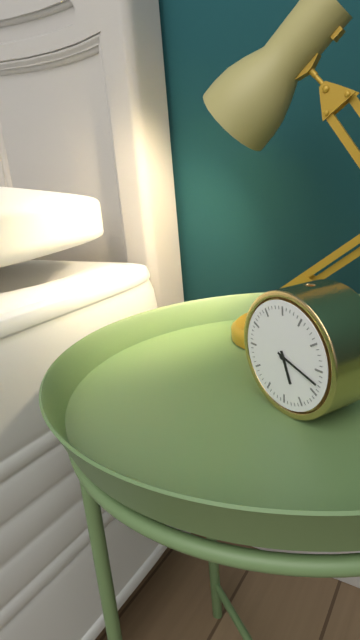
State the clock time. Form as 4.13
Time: 5.18
